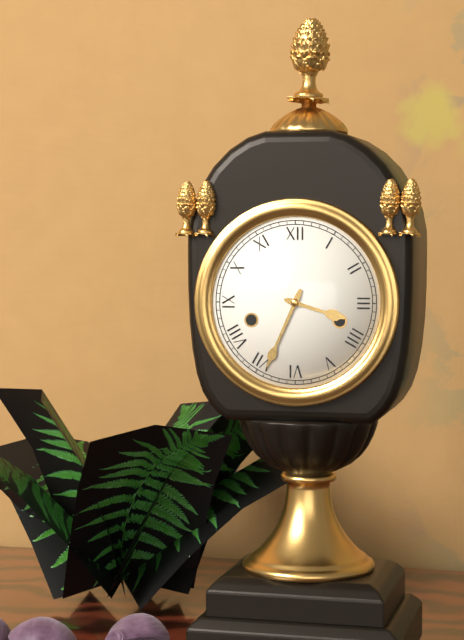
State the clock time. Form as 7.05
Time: 3.34
